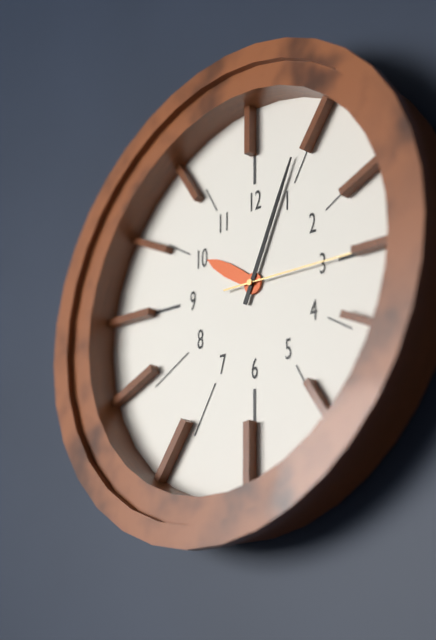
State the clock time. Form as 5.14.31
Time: 10.04.15
